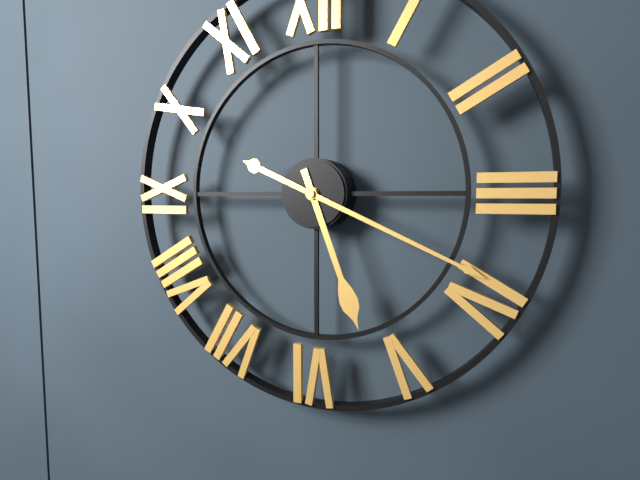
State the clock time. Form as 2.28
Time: 5.19
